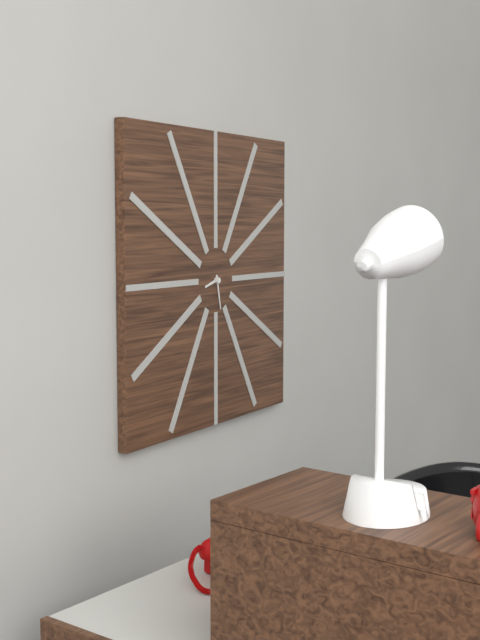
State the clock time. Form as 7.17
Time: 8.28
